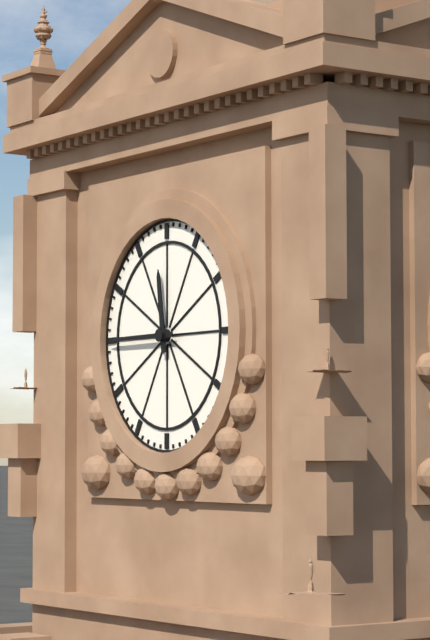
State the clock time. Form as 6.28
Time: 11.45
